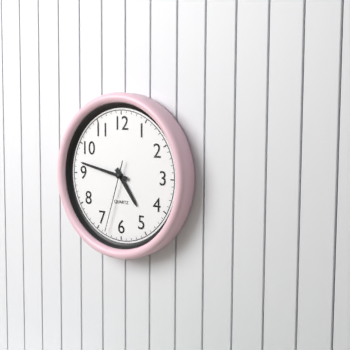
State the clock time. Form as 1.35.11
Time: 4.47.33
